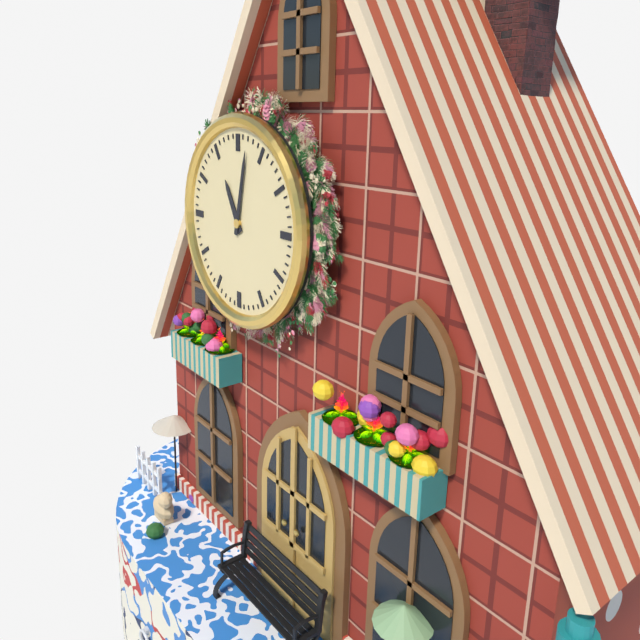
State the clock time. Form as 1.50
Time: 11.02
